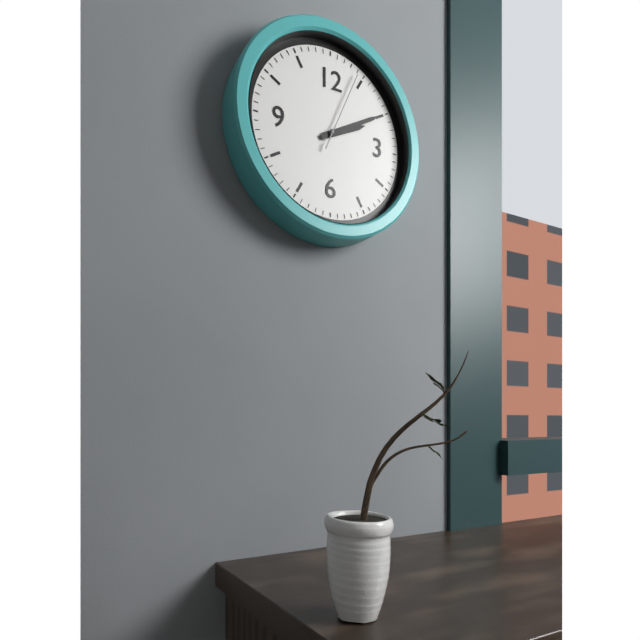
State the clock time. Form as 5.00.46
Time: 2.10.04
